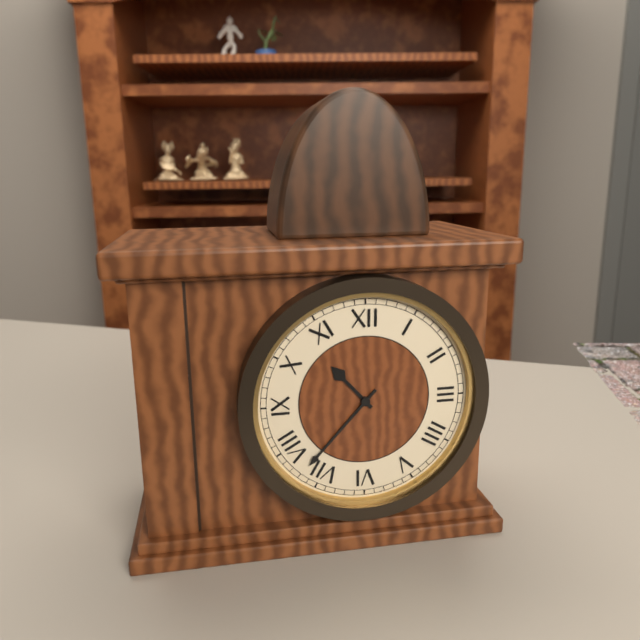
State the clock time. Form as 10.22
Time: 10.37
